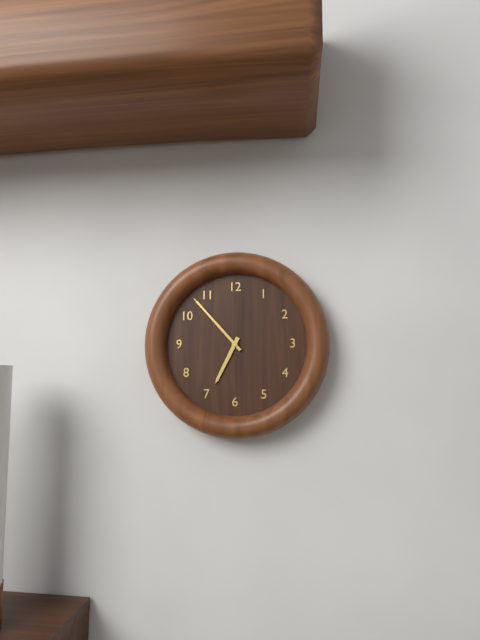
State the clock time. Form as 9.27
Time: 6.53
